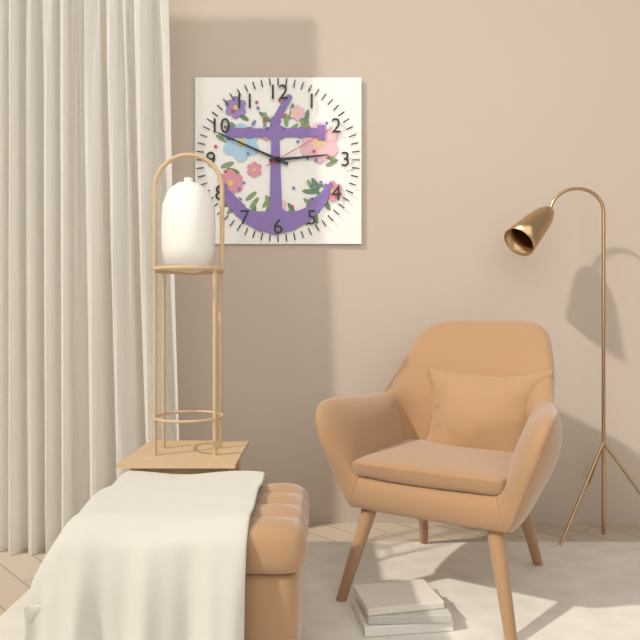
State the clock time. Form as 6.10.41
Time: 2.49.10
